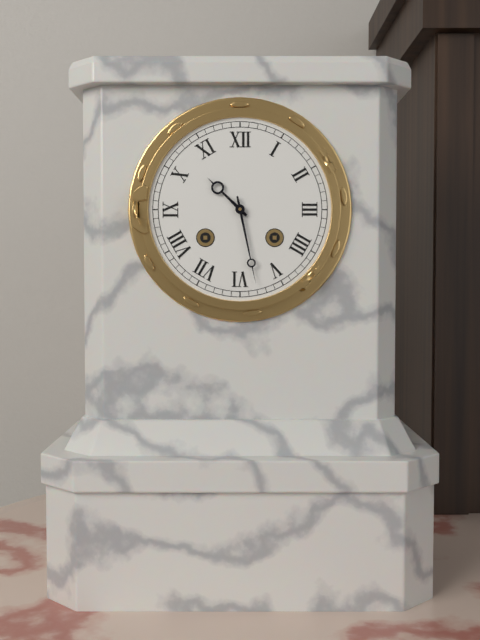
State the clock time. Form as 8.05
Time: 10.28
